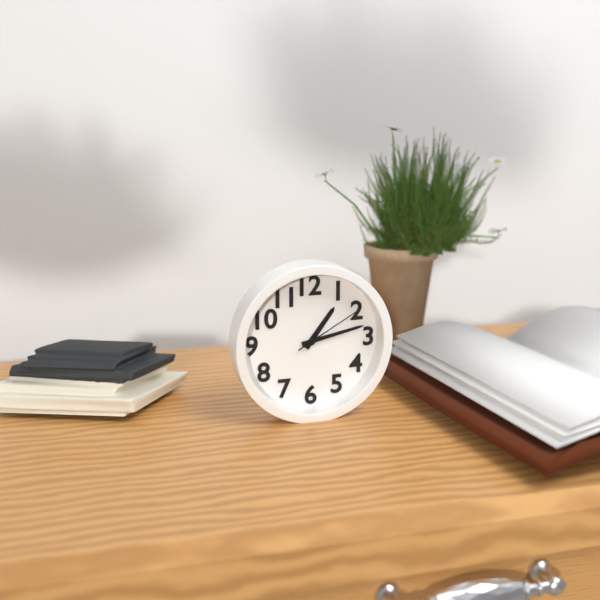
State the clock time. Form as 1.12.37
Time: 1.13.10
